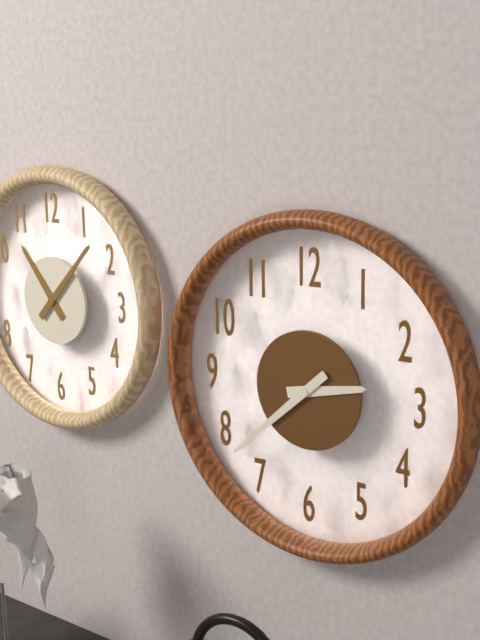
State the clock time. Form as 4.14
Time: 2.38
